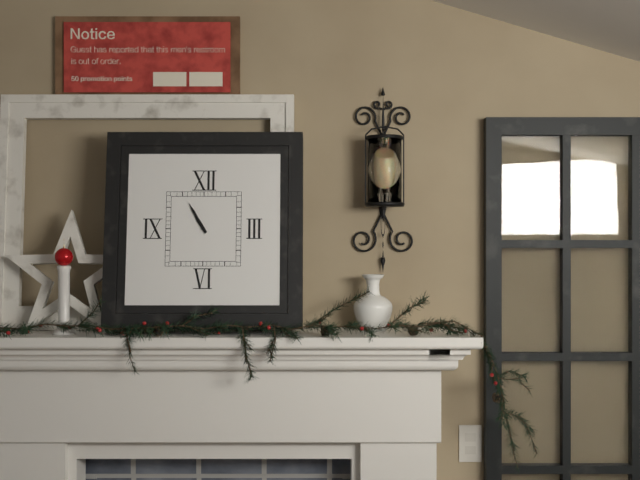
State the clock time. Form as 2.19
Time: 10.55
